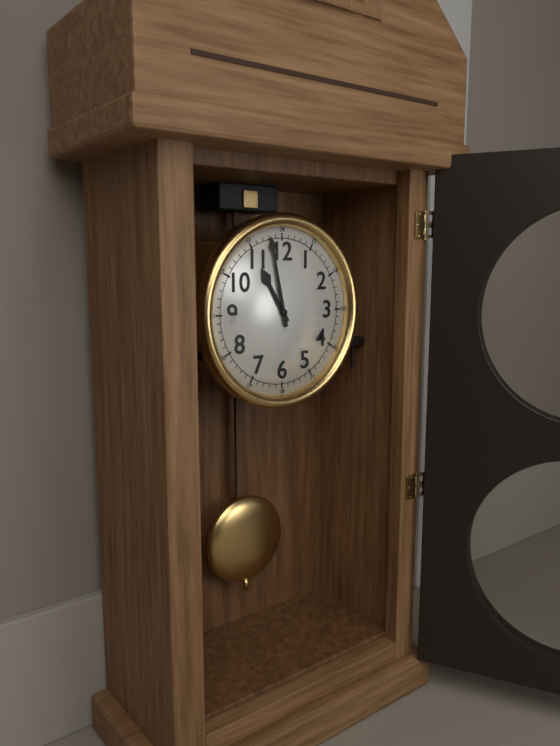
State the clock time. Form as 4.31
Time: 10.58
